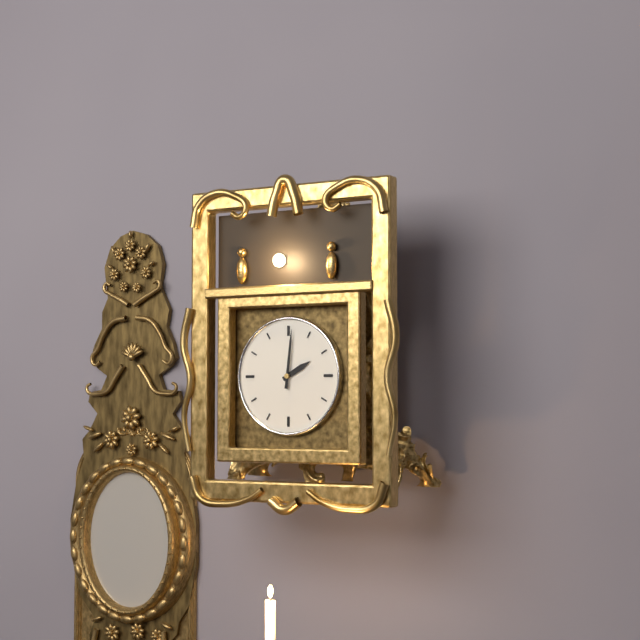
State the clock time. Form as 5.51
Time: 2.01
